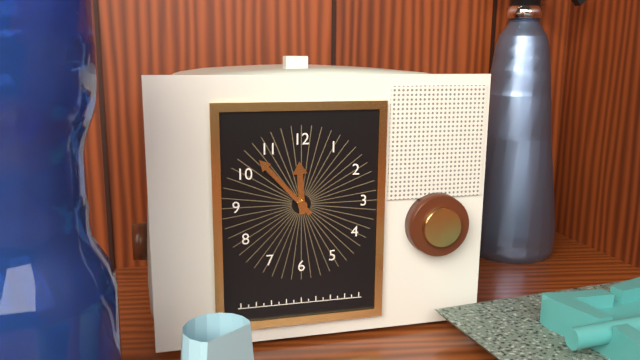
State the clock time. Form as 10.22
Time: 11.53
